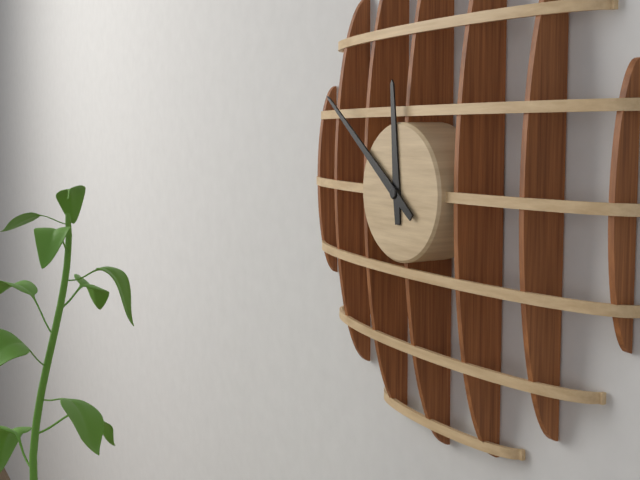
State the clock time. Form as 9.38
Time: 11.51
